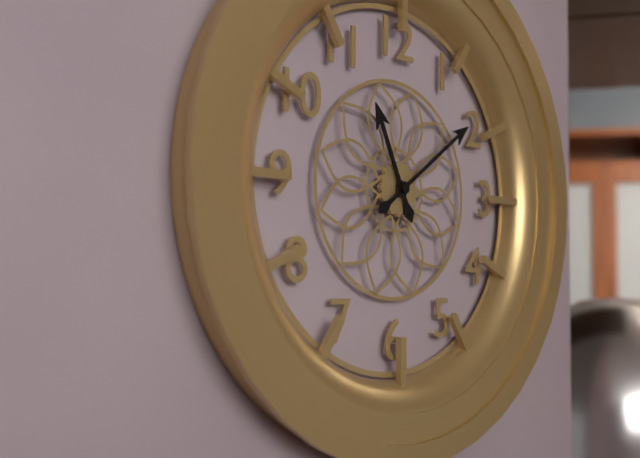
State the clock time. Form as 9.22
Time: 11.09
